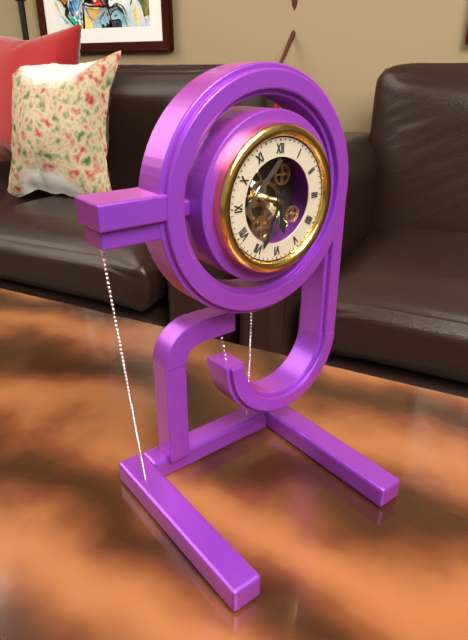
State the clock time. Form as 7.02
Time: 5.34
